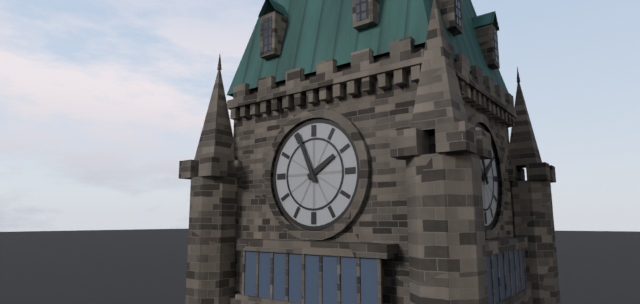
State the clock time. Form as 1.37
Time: 1.56
